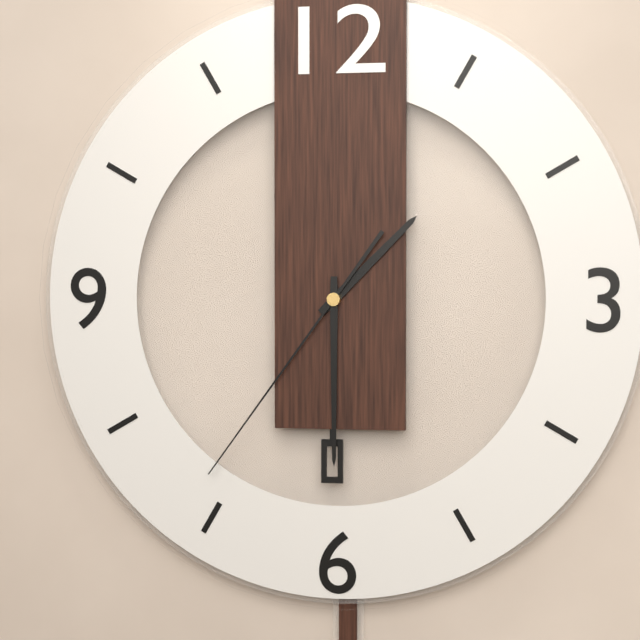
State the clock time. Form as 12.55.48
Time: 1.30.36
